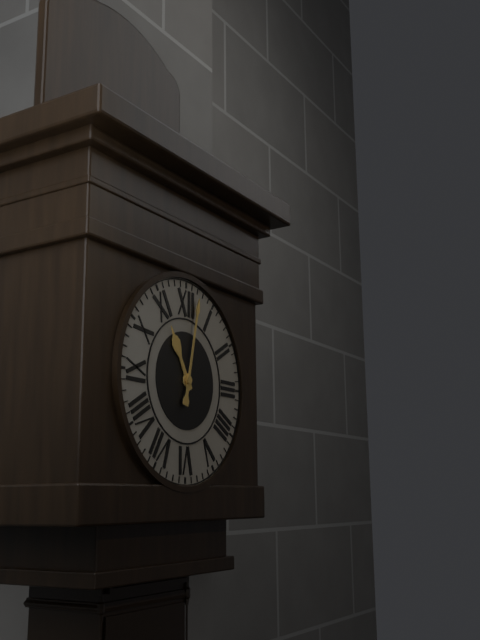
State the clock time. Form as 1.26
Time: 11.02
